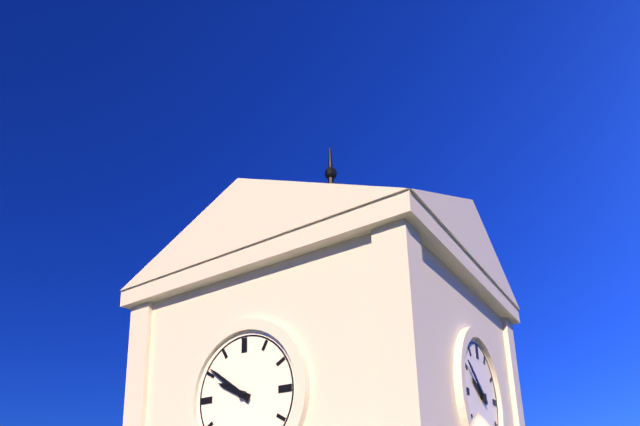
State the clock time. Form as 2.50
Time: 9.51
